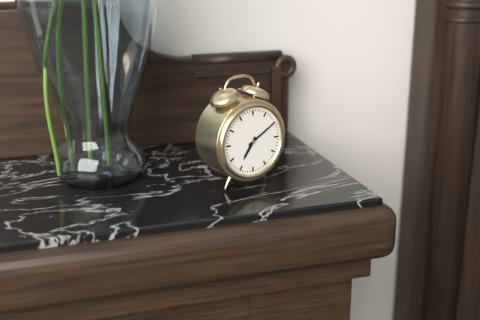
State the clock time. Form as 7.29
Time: 7.10
